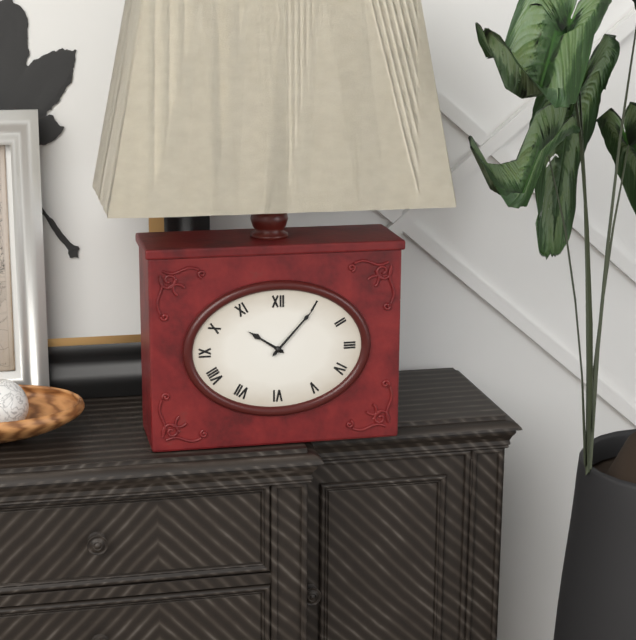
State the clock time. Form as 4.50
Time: 10.07
